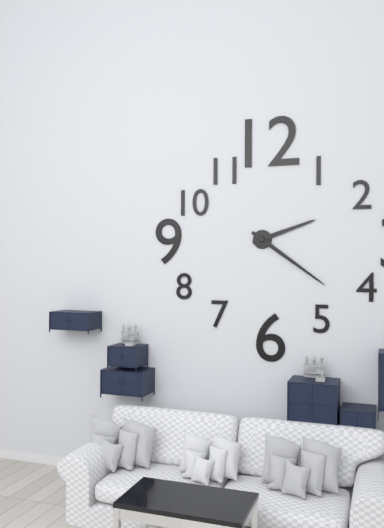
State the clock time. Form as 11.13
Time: 2.21
